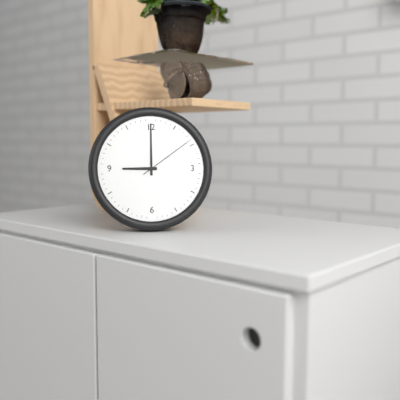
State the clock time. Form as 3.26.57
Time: 9.00.09
